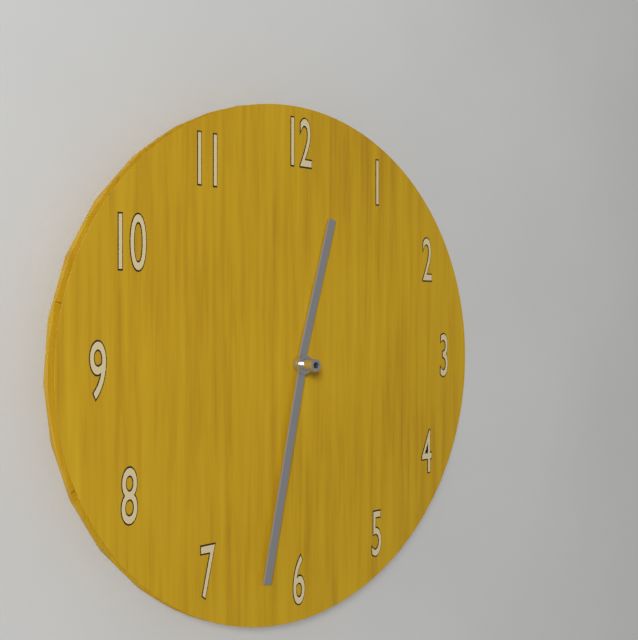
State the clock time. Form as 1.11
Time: 12.32
